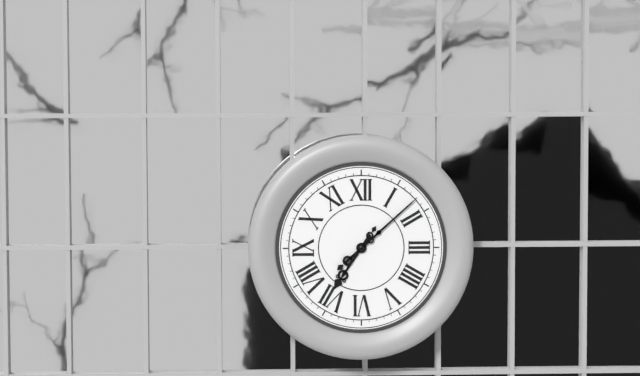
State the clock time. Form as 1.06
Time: 7.08
